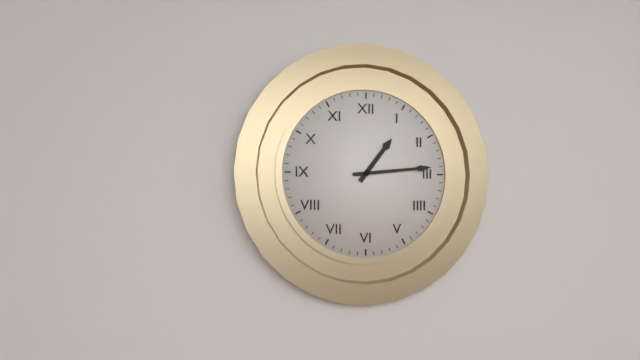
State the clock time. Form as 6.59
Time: 1.14
